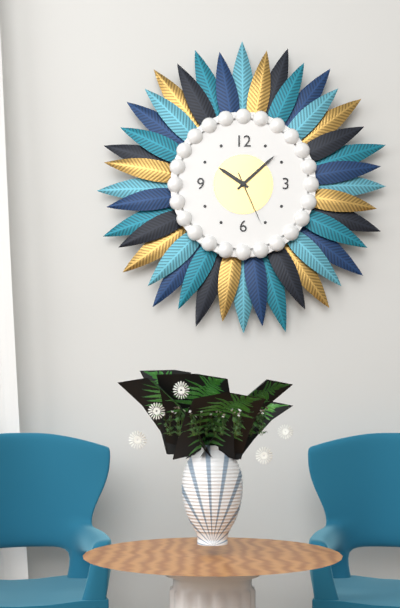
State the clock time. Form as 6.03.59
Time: 10.08.26
